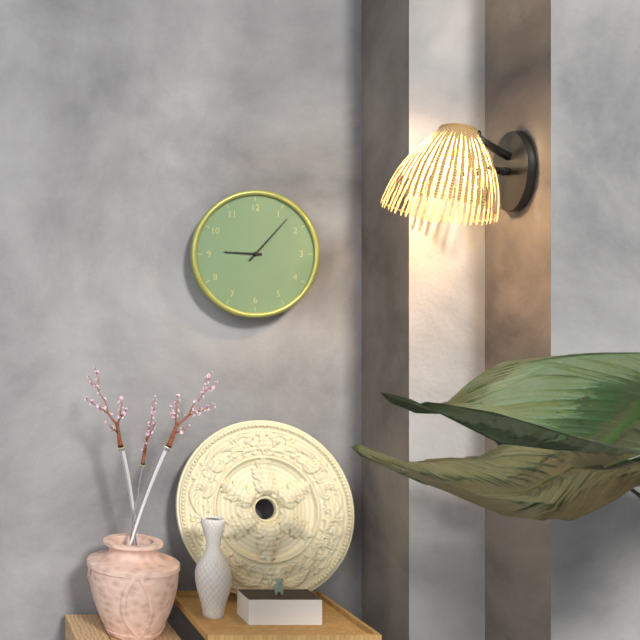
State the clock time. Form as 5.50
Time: 9.07
